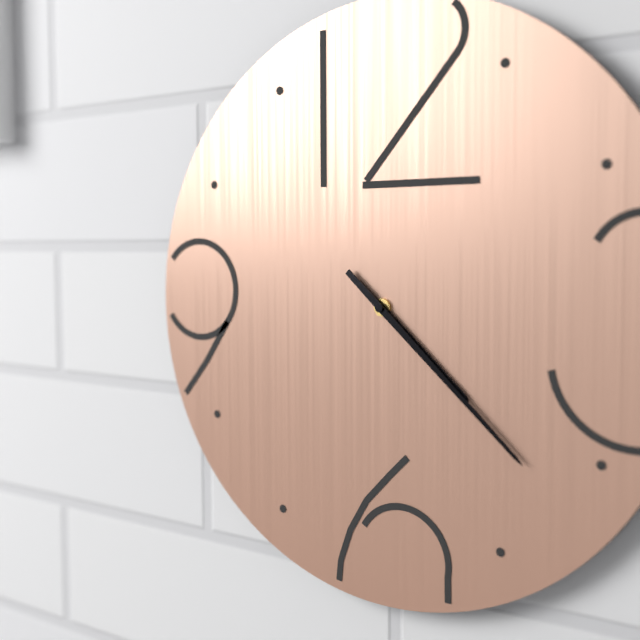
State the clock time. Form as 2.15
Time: 4.22
